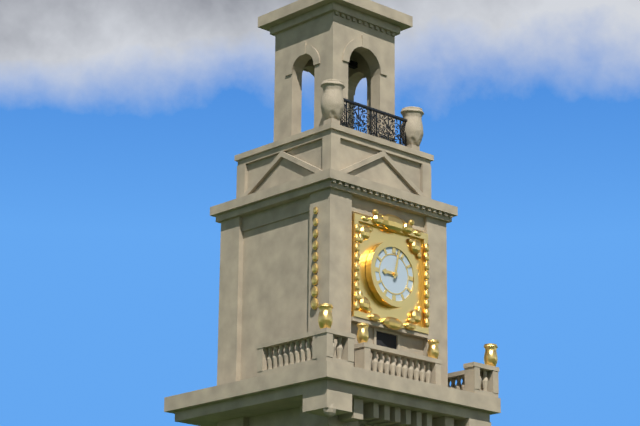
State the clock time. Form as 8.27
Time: 9.02
